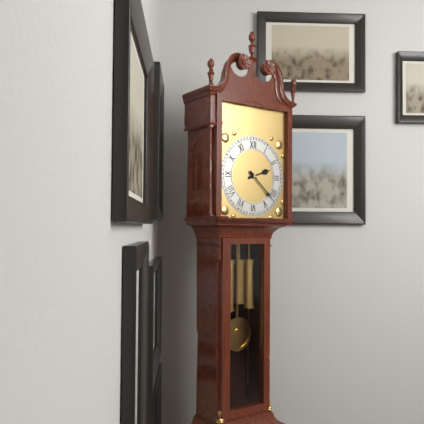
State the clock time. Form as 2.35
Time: 2.22
